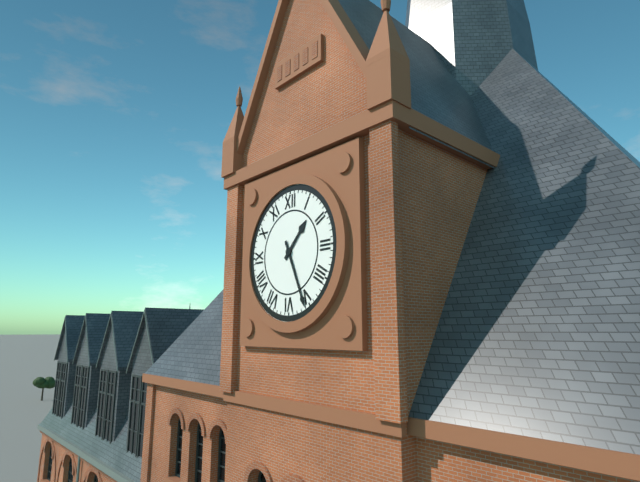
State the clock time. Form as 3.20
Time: 1.26
